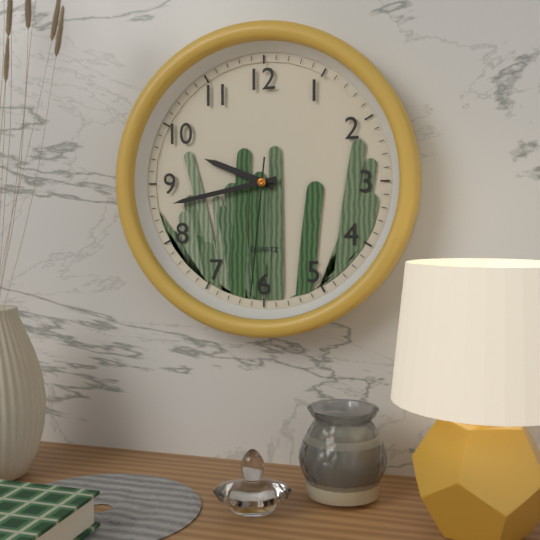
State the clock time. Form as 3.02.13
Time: 9.43.31
